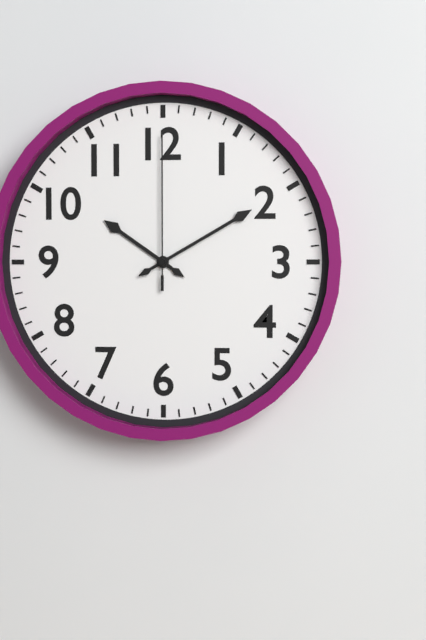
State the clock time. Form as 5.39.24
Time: 10.10.00
